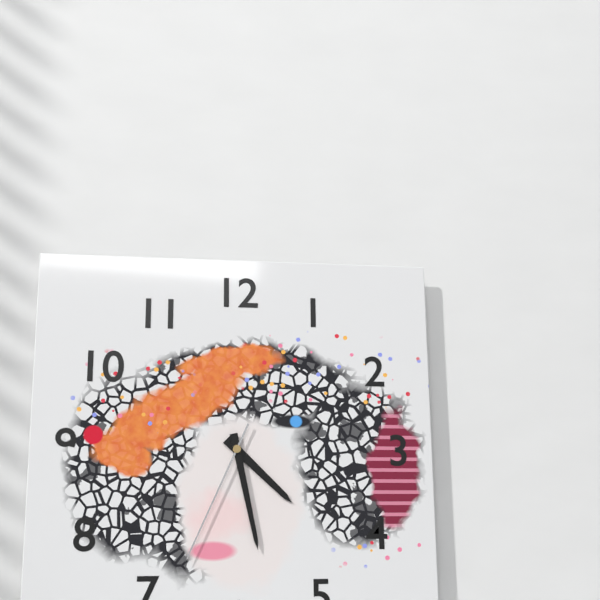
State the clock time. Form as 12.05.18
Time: 4.28.34
